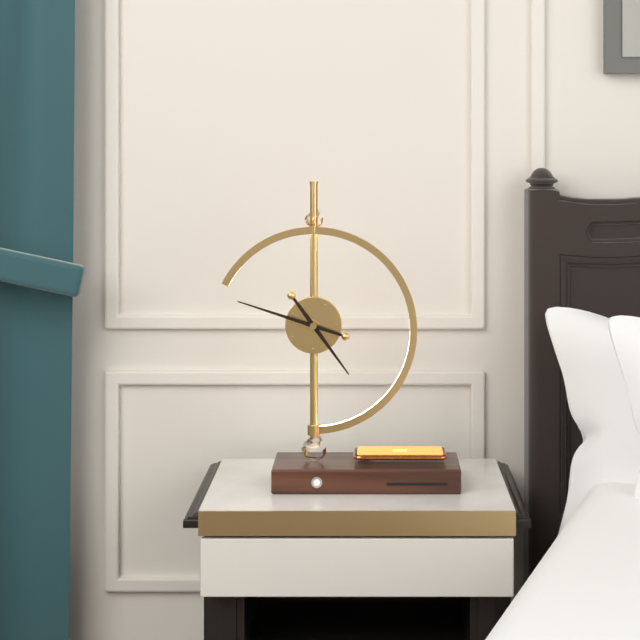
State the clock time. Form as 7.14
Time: 4.48
